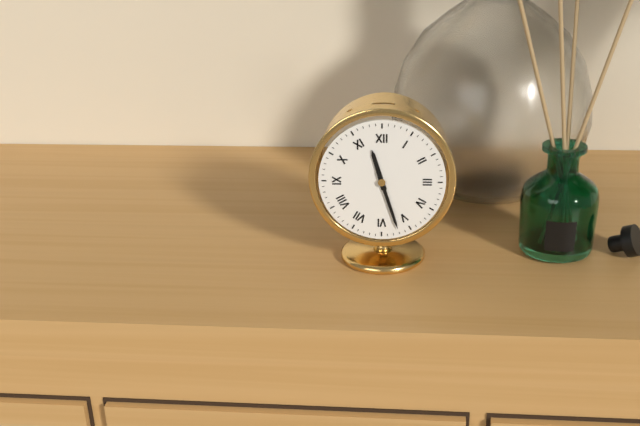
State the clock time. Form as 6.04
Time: 11.27
